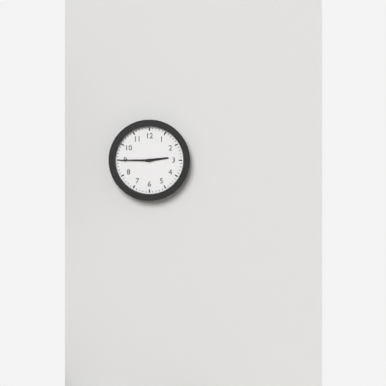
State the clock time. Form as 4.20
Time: 2.45
